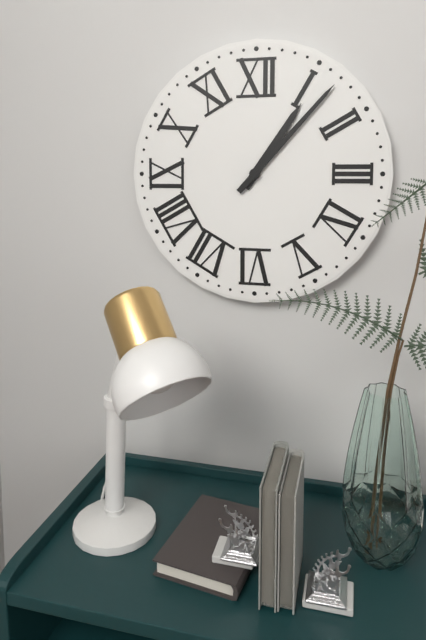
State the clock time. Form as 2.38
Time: 1.07
